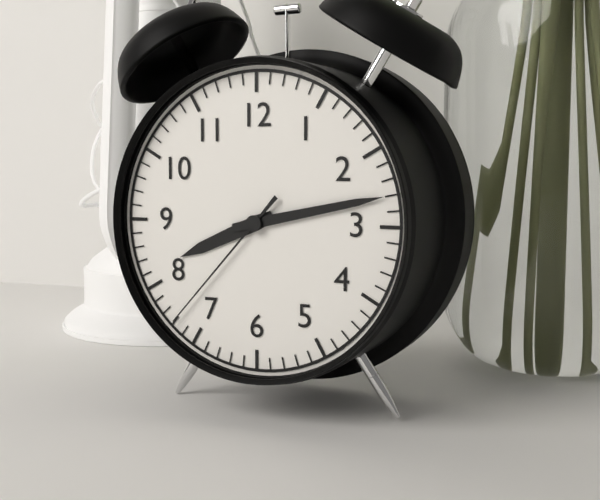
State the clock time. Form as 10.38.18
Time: 8.13.37
